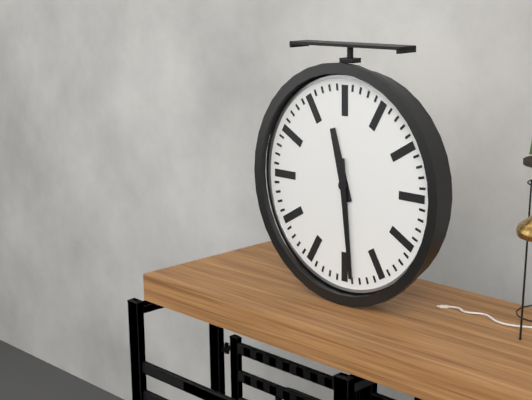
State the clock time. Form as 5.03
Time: 11.29
